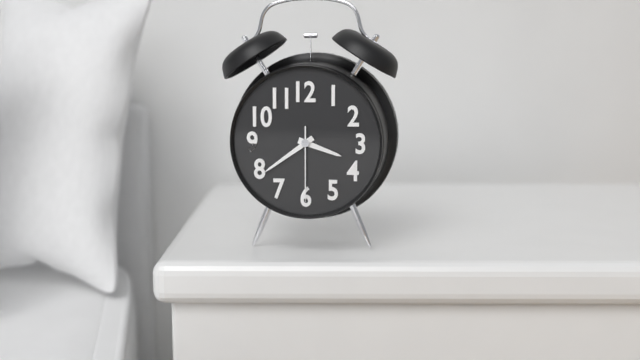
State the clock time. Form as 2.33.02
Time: 3.39.30
